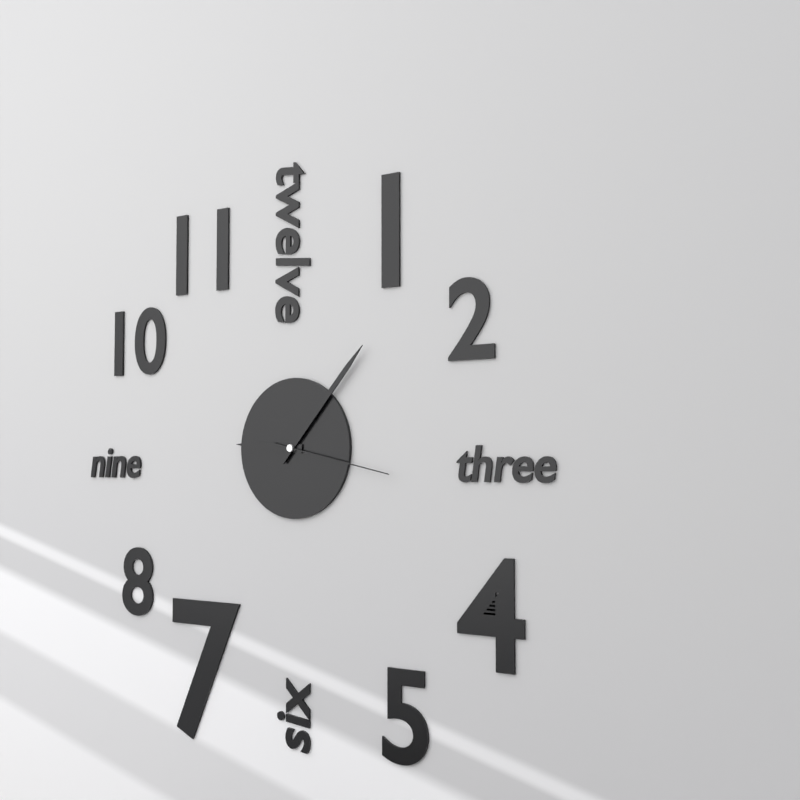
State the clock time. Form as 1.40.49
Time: 9.07.17
